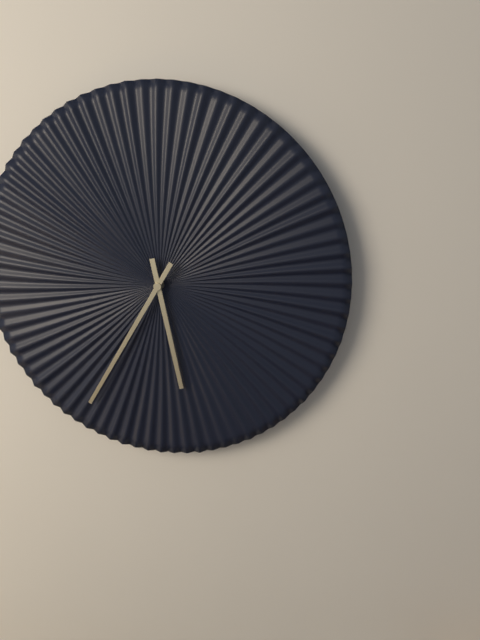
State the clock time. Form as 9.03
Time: 5.35
